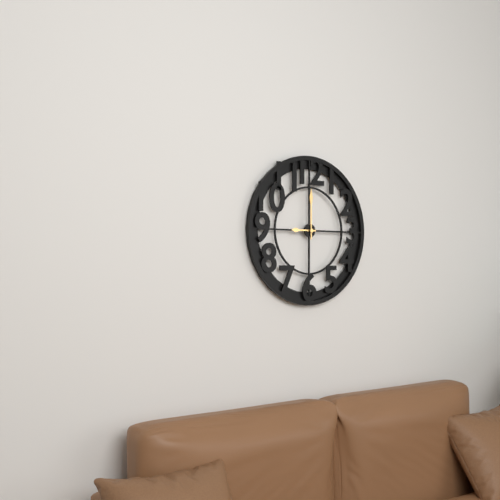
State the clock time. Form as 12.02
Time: 9.00
